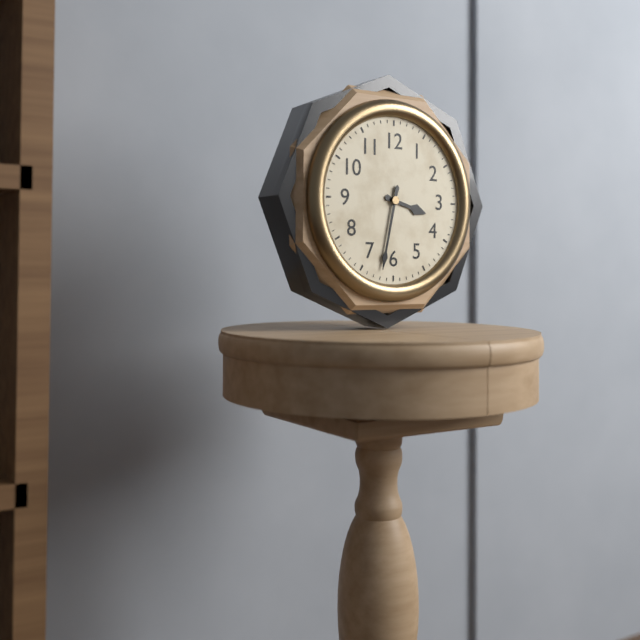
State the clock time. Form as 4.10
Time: 3.32
